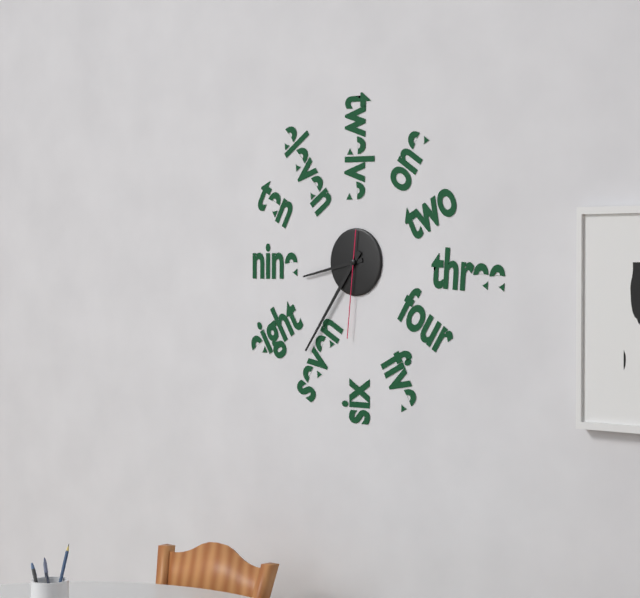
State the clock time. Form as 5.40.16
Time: 8.36.31
